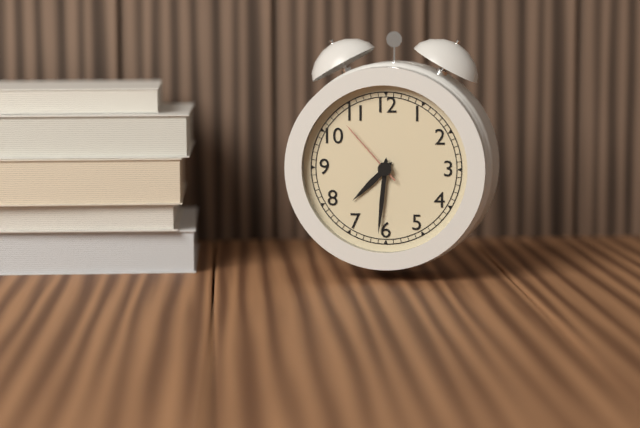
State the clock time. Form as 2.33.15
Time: 7.31.53
